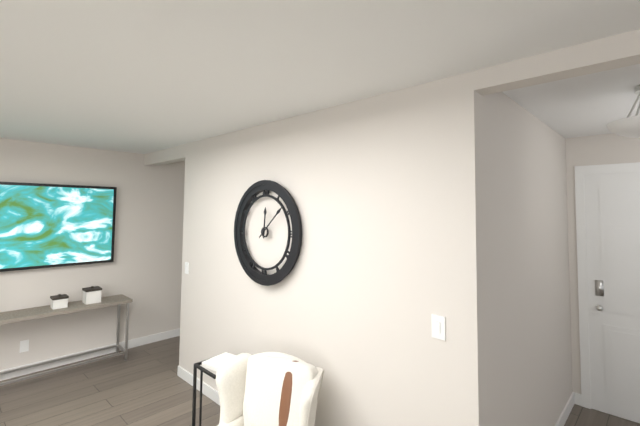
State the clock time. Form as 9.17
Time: 12.08
